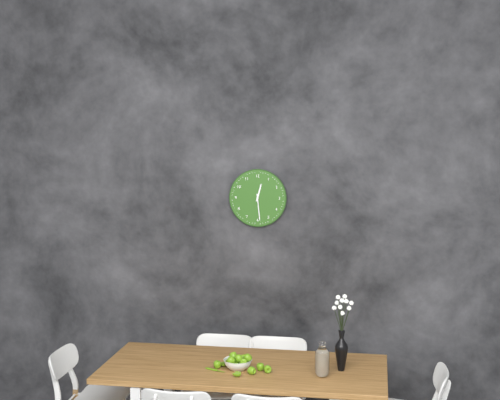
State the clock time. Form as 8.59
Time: 12.29
